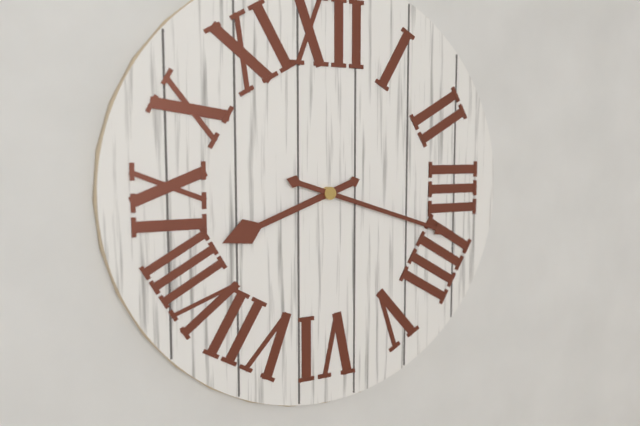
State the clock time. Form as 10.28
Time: 8.18
